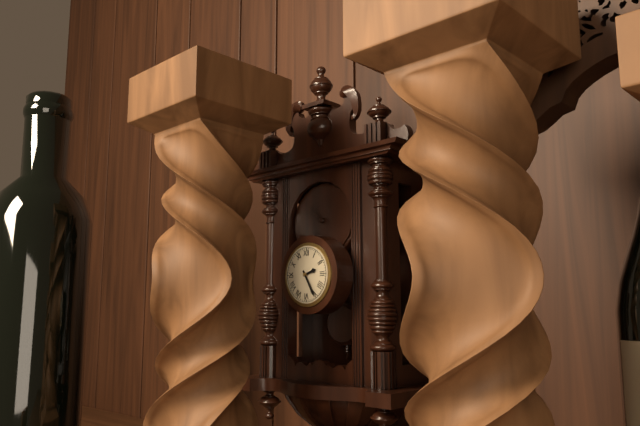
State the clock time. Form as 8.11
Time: 2.25
